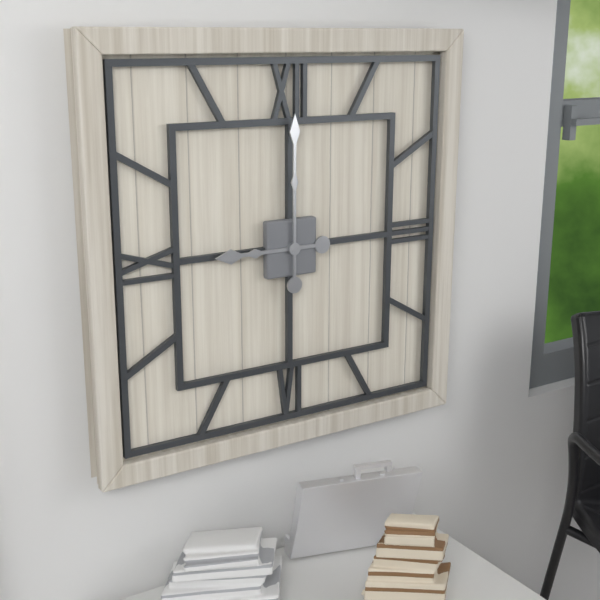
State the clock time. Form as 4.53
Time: 9.00
